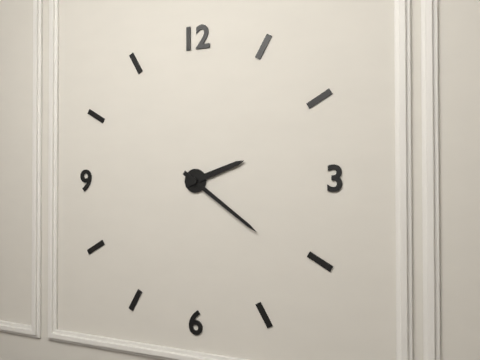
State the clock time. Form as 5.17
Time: 2.21
